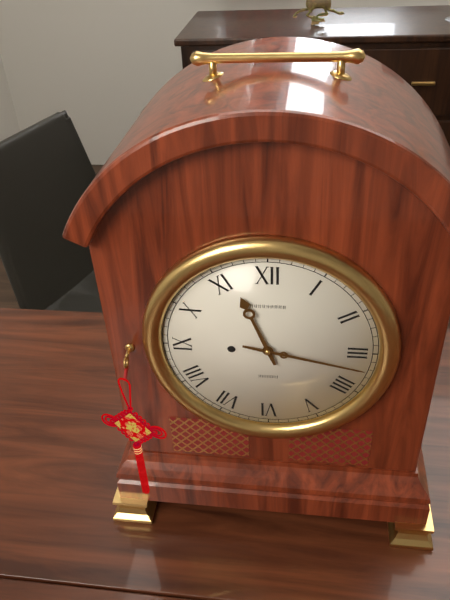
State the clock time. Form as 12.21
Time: 11.17
